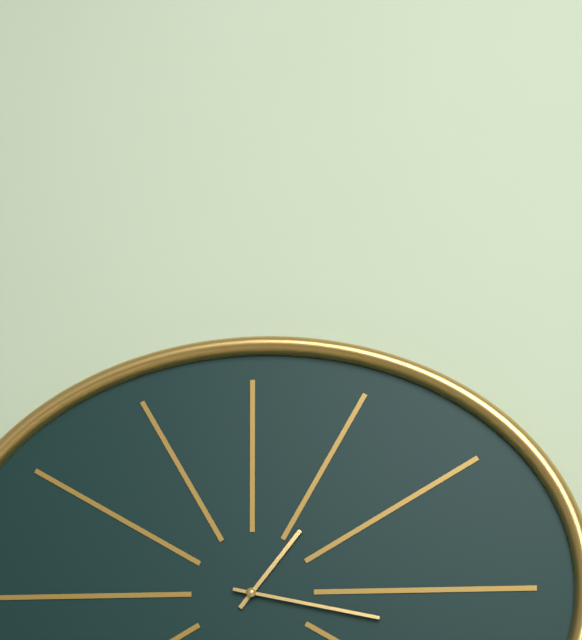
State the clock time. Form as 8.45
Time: 1.17
